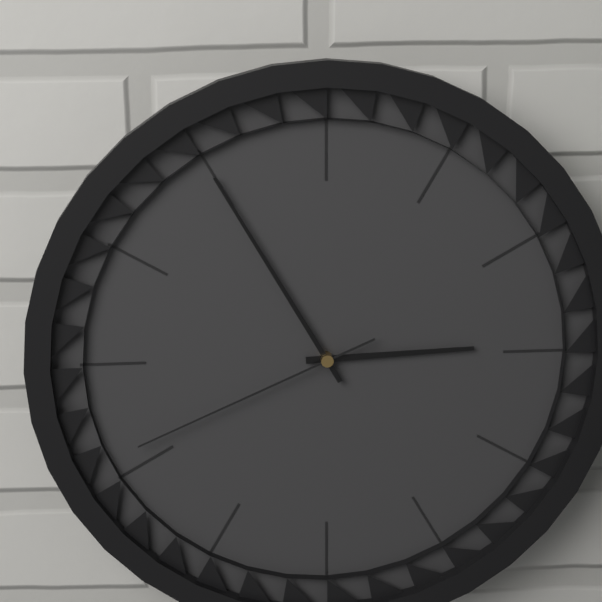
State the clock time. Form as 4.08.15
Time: 2.55.41
